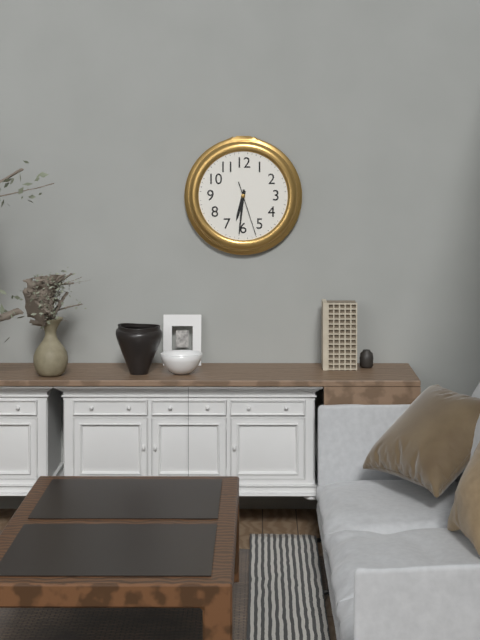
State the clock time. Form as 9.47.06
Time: 6.31.27
